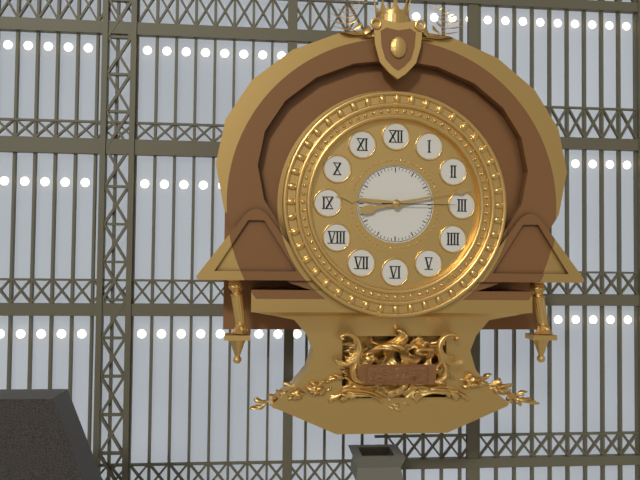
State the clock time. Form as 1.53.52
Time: 9.13.15
